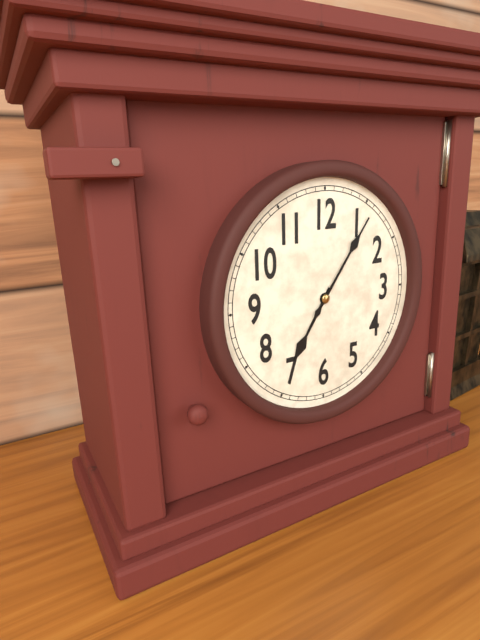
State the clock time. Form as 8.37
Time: 7.06
